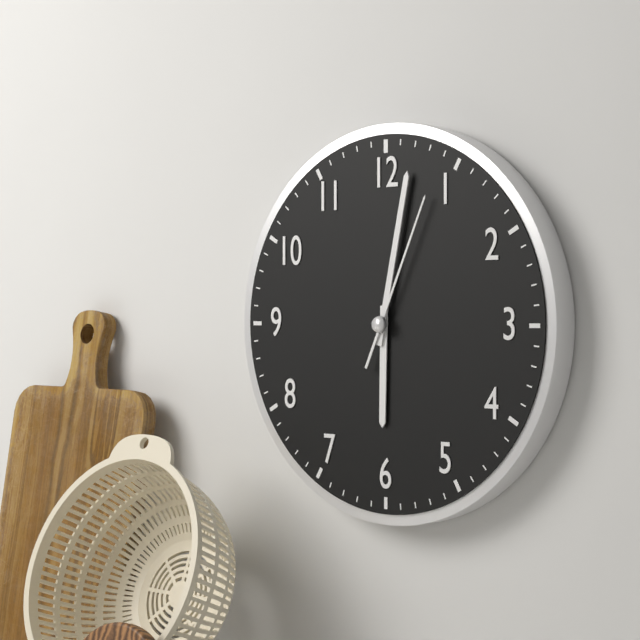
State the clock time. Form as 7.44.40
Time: 6.02.04
